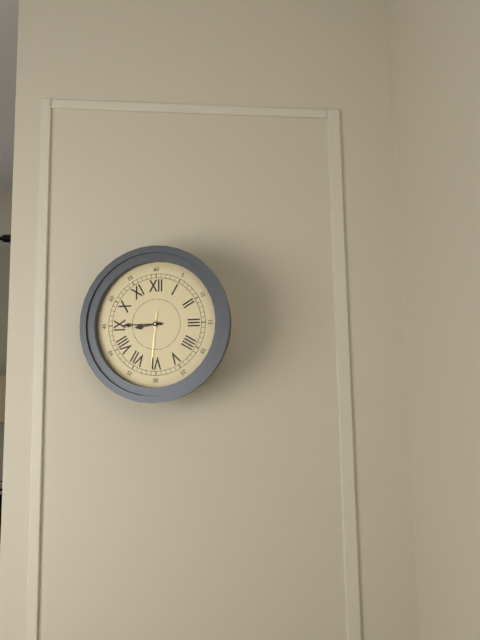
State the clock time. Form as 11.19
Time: 8.45
